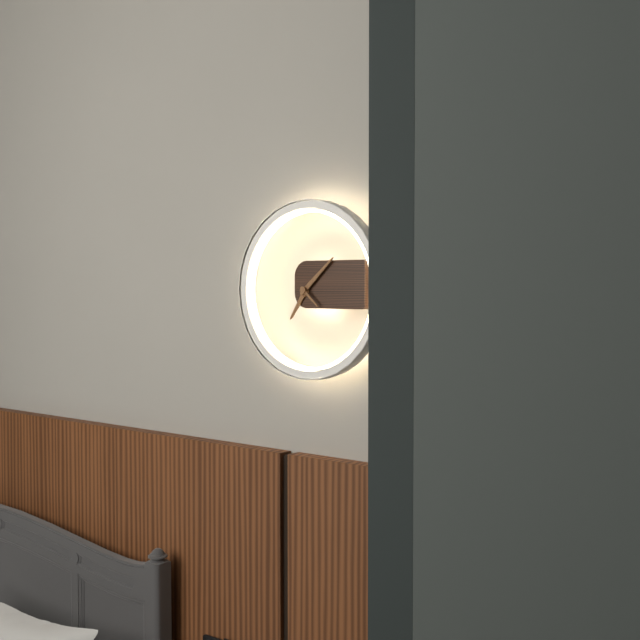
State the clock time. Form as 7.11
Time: 7.08
